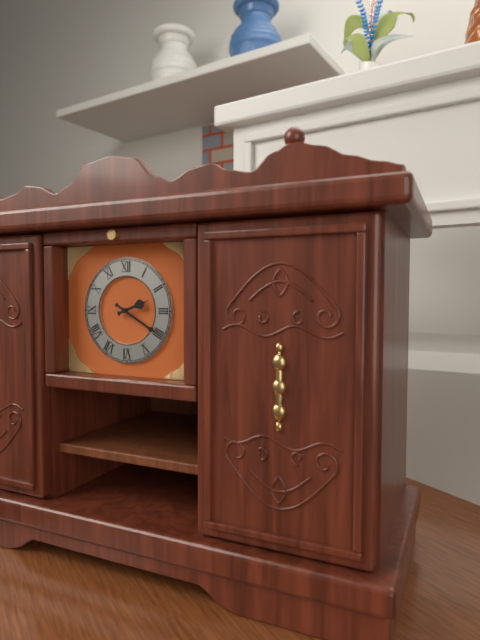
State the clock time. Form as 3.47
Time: 2.20
